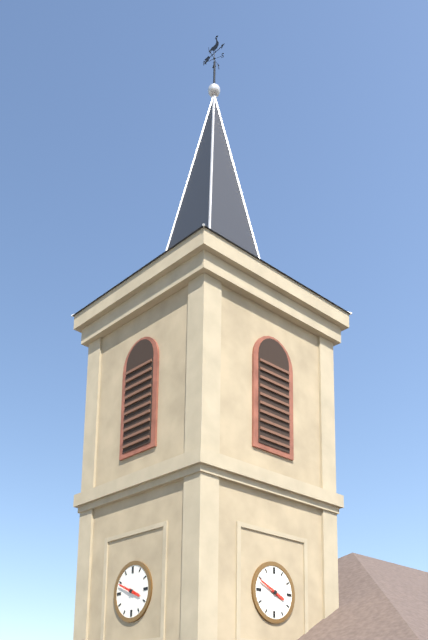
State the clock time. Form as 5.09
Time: 3.49
